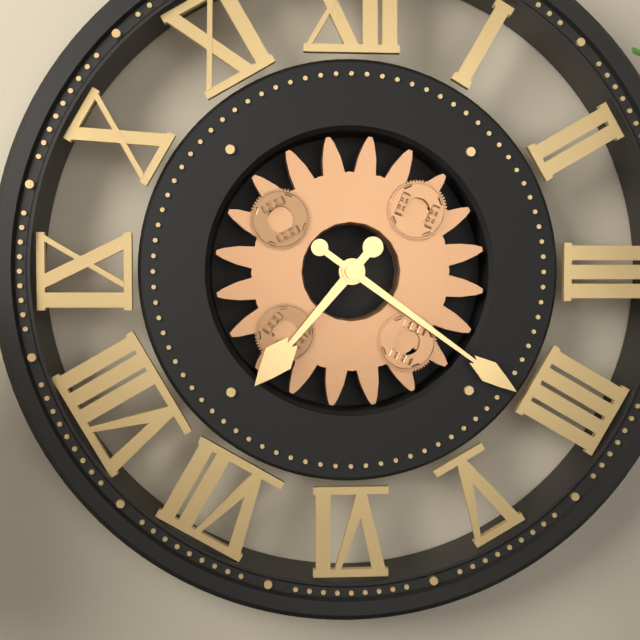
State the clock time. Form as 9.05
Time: 7.21
